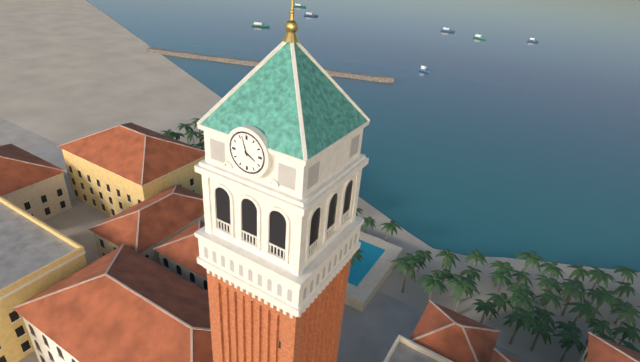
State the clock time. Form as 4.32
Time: 3.57
